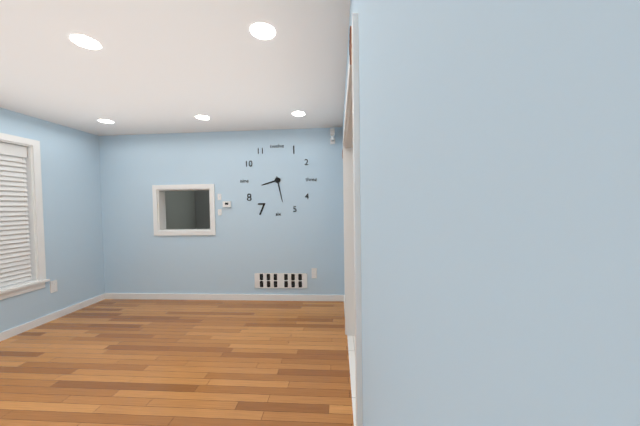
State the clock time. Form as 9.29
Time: 8.28
